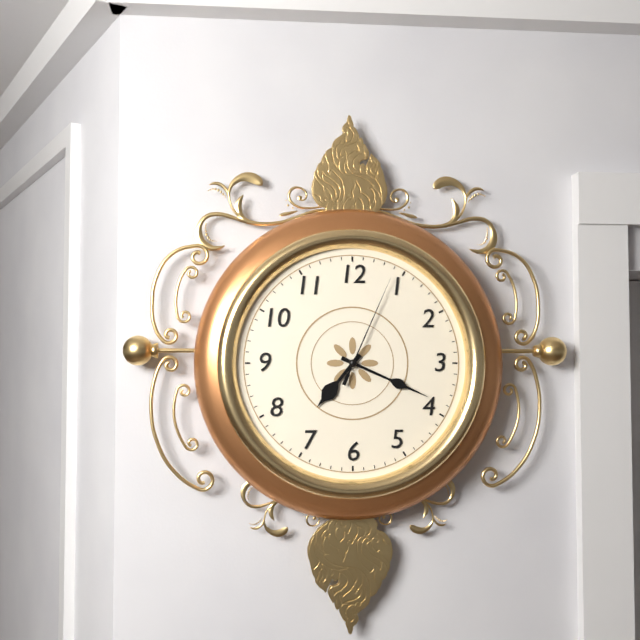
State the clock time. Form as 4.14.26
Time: 7.19.04
